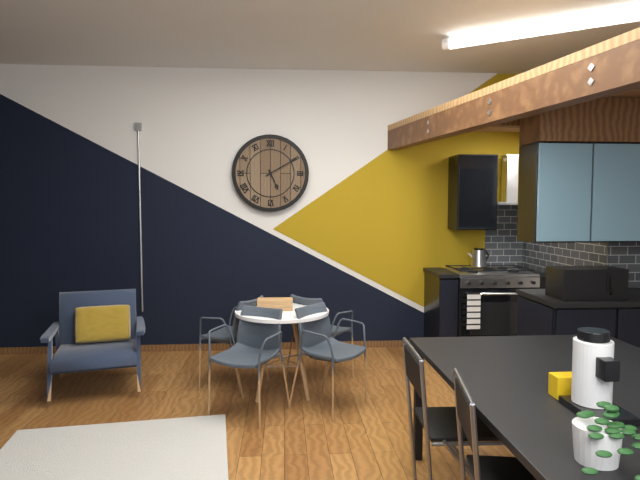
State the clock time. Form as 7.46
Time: 5.10
